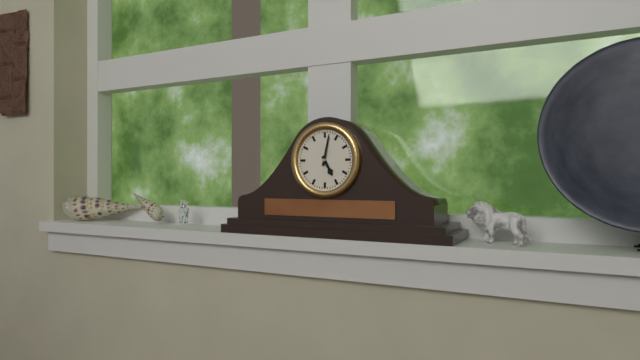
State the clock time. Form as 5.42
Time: 5.02
